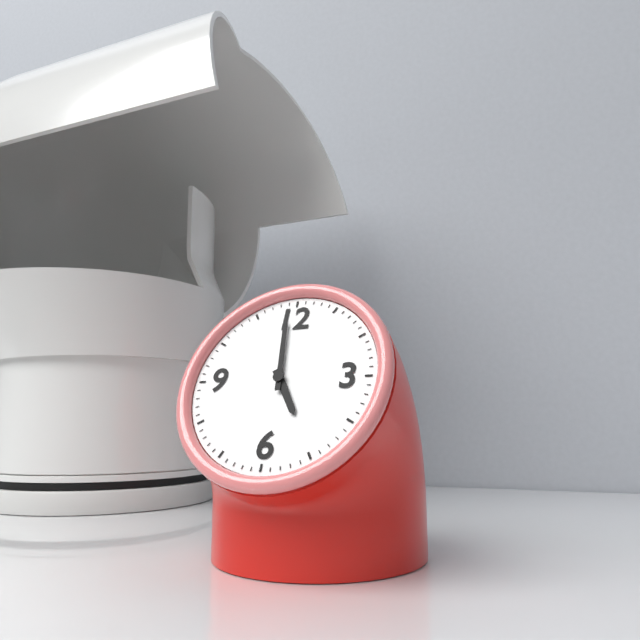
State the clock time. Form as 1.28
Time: 4.59
